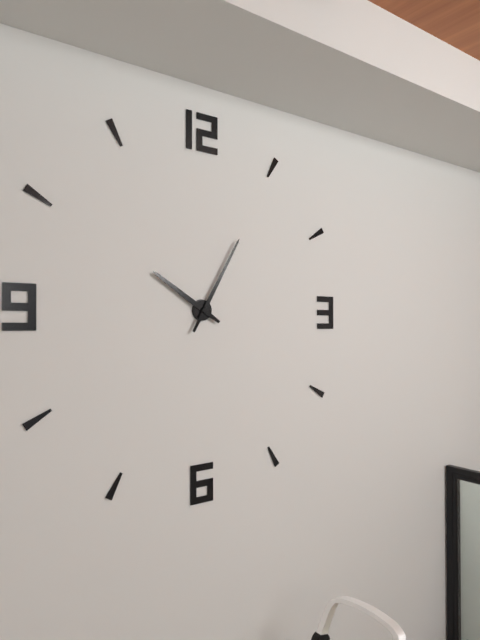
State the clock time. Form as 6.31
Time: 10.05
